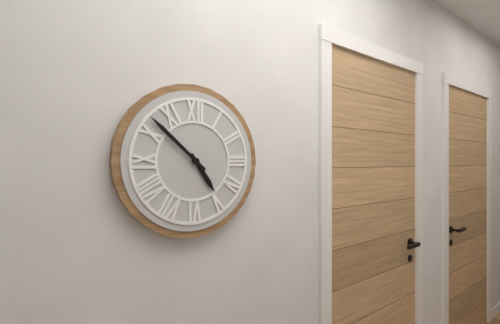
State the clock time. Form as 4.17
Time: 4.52
